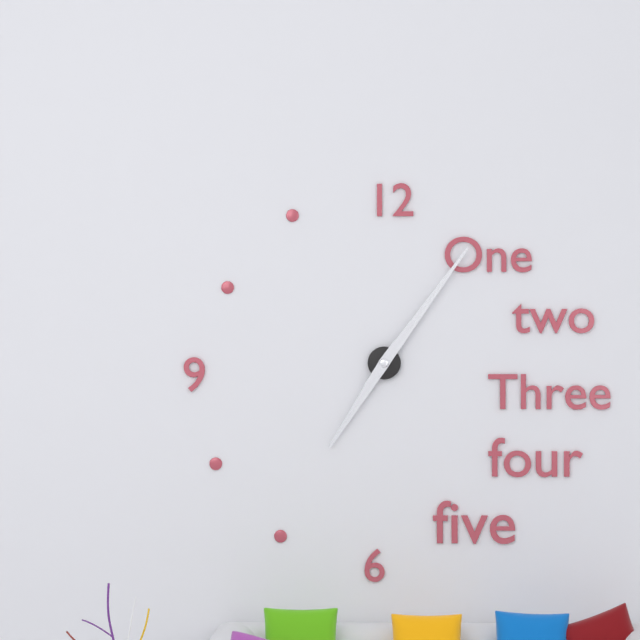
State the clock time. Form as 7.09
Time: 7.06
